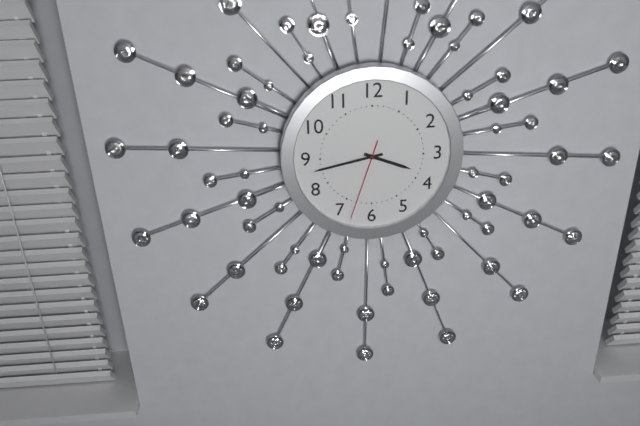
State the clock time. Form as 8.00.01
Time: 3.43.33
